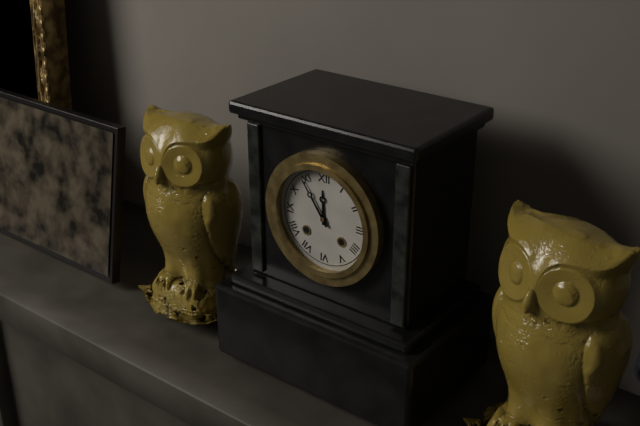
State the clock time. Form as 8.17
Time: 11.54
